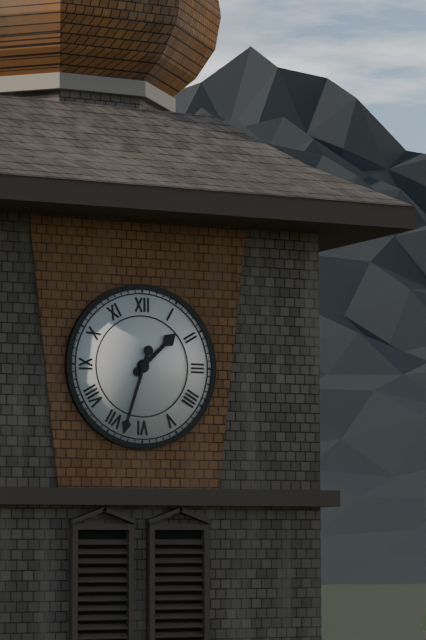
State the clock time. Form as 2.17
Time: 1.33
